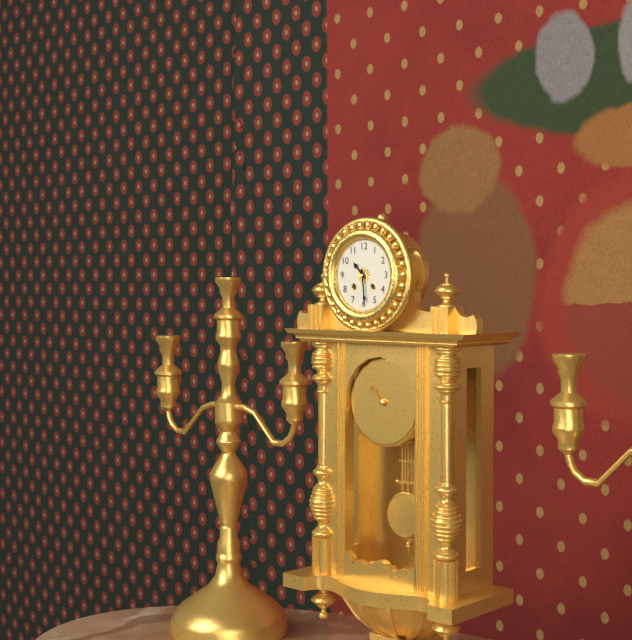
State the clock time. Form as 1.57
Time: 10.29
